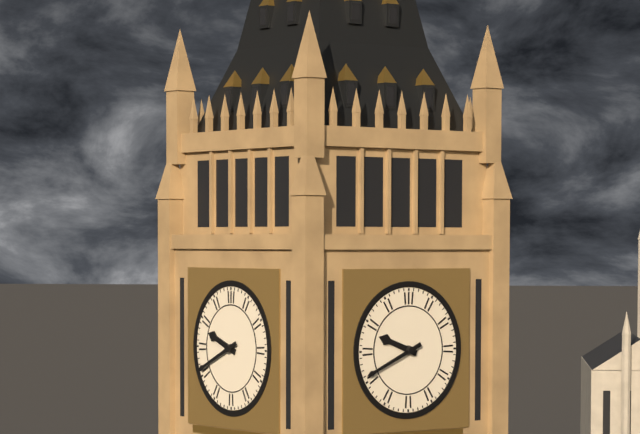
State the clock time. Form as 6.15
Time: 9.41
